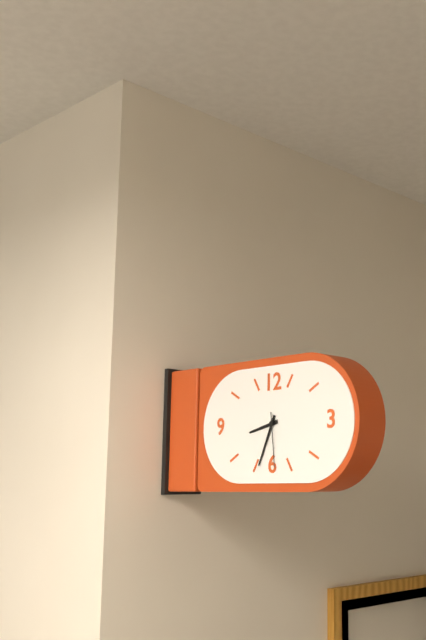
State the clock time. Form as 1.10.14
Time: 8.34.29
